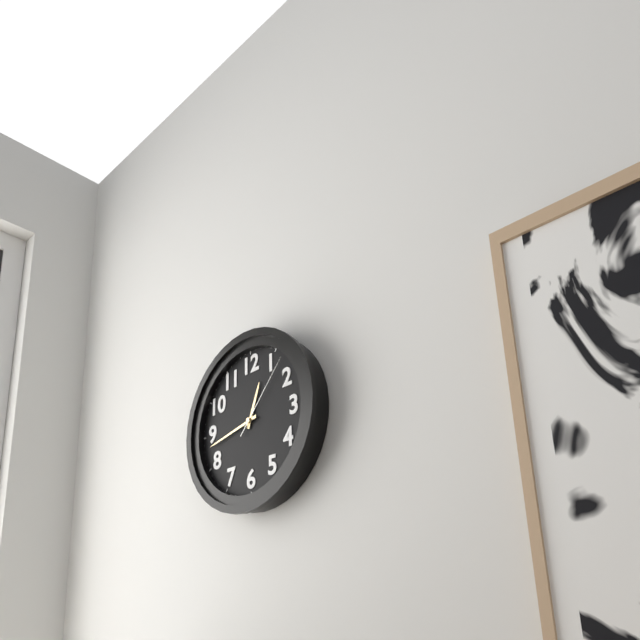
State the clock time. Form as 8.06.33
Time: 12.43.07
